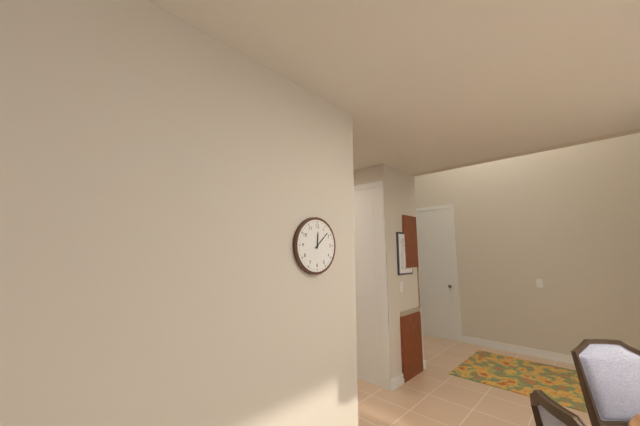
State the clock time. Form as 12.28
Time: 12.08
